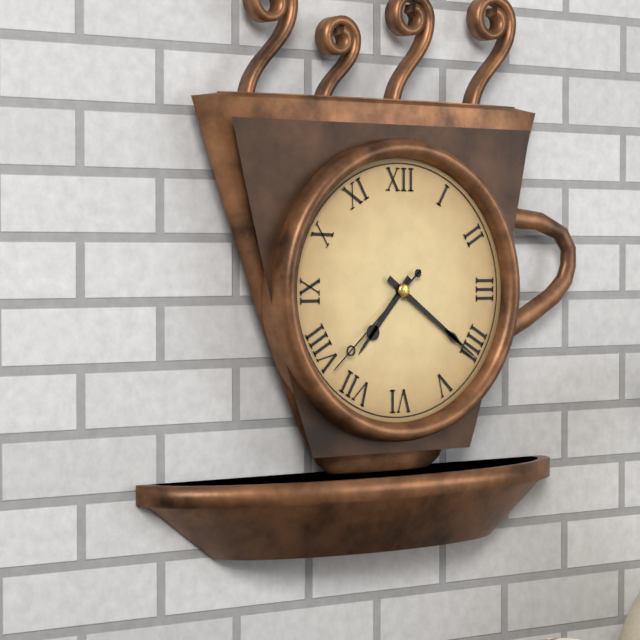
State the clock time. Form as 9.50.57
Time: 7.21.38
